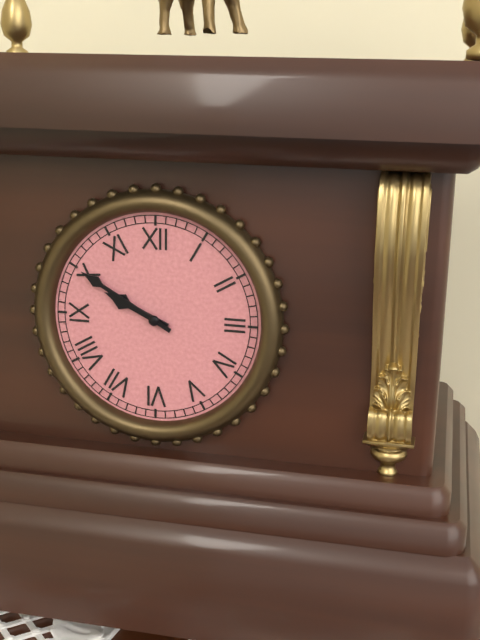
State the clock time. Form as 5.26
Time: 9.50
